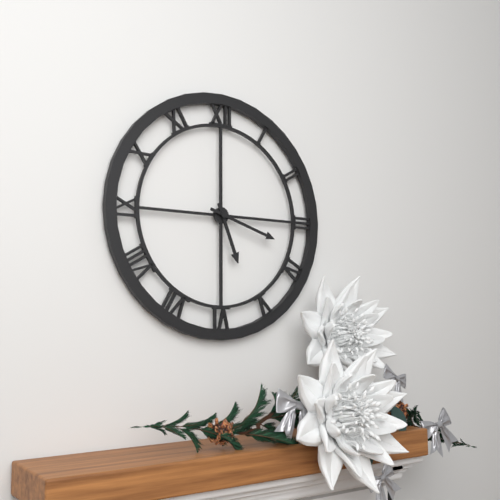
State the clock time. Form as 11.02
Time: 5.18
